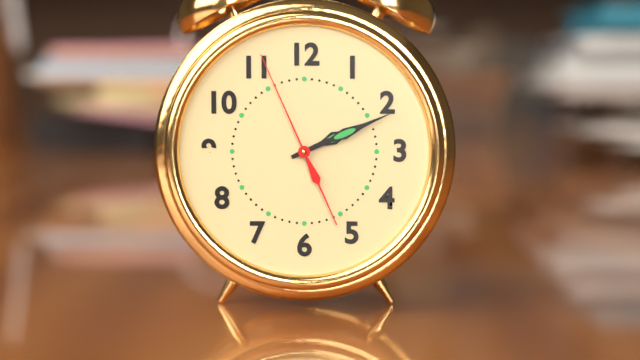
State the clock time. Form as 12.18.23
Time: 2.11.56
